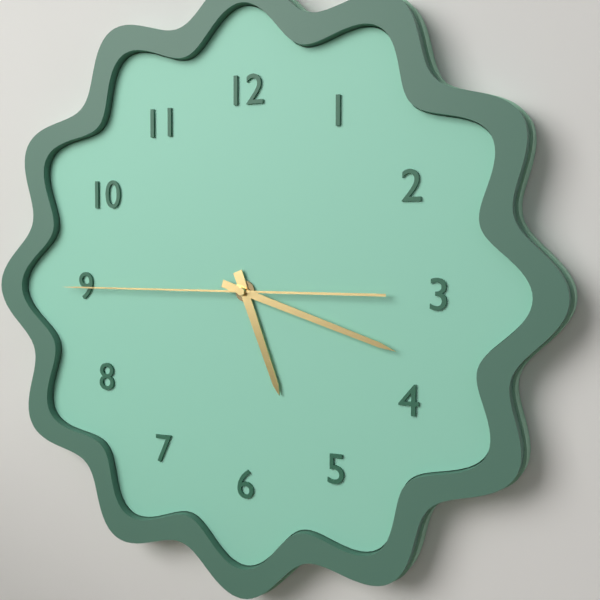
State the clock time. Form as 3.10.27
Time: 5.18.45
